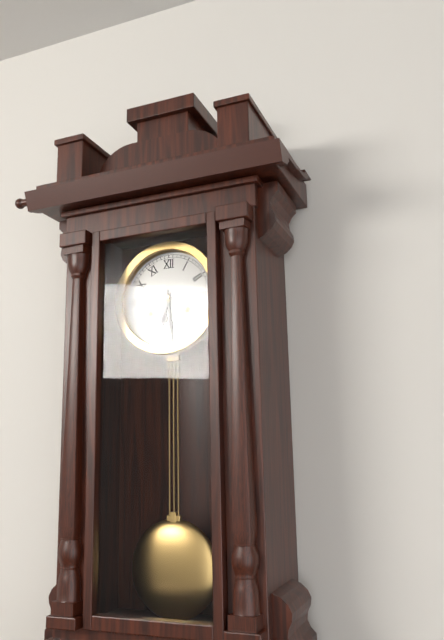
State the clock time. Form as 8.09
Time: 6.29
